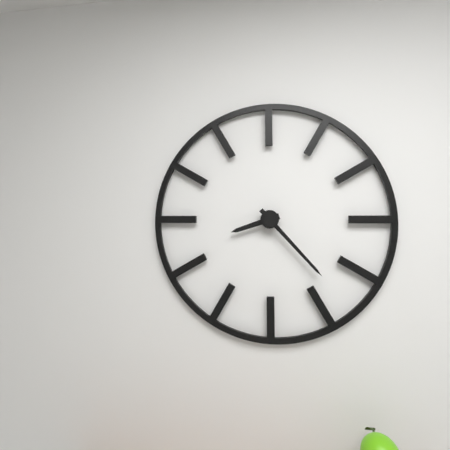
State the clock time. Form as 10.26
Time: 8.23
